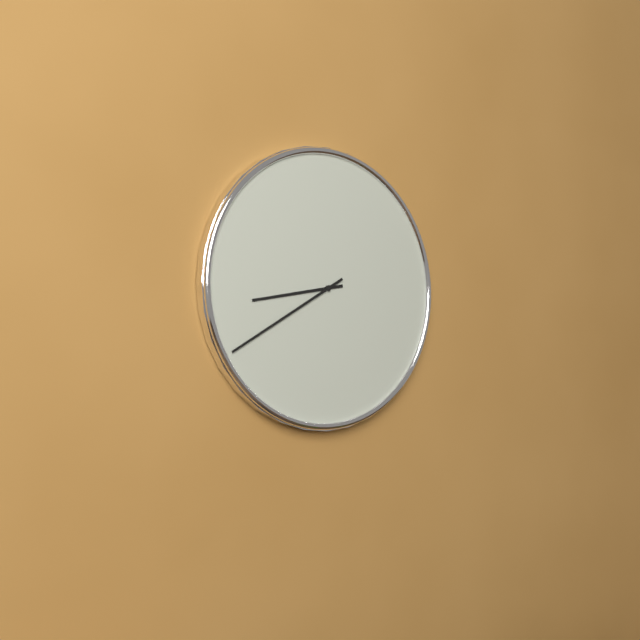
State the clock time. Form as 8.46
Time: 8.40
